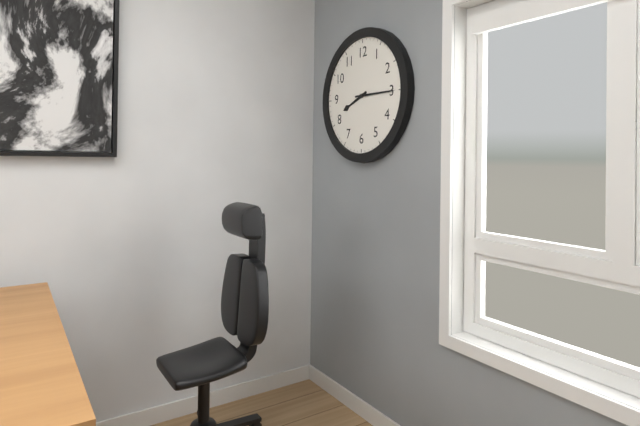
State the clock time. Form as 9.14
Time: 8.15
